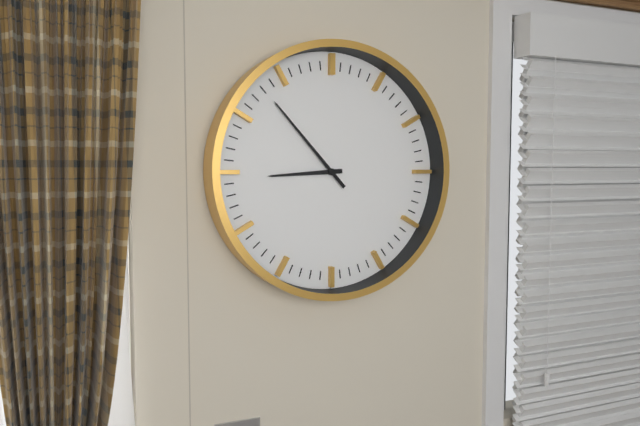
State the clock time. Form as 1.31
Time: 8.53
